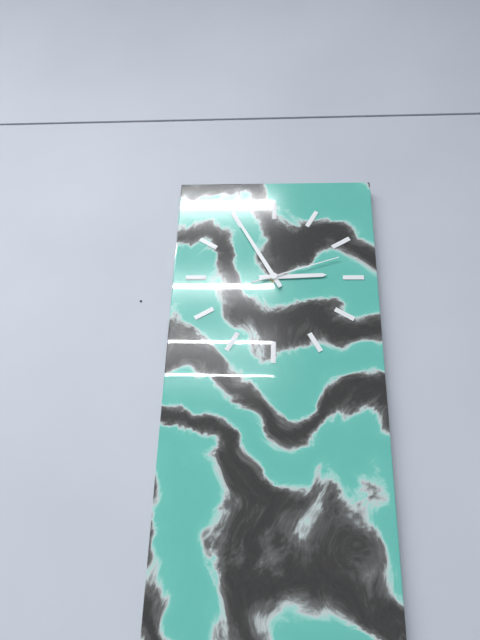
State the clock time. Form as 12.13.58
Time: 2.55.12
